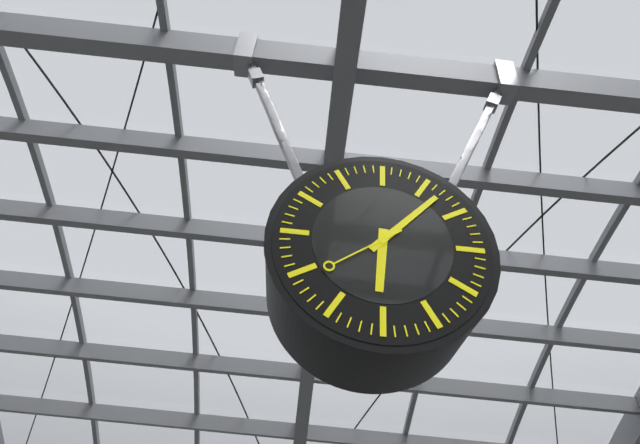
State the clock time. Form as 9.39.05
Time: 6.07.39
